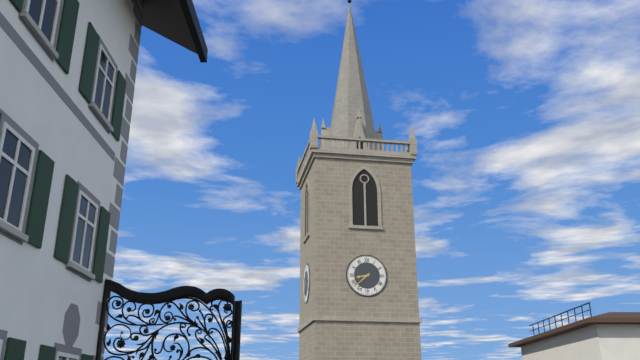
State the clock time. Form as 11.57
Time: 8.38
